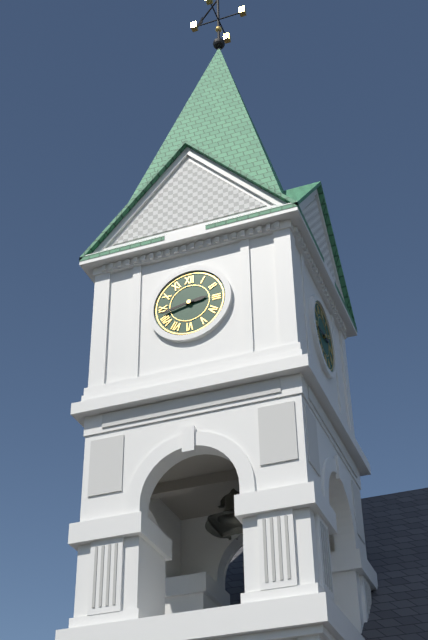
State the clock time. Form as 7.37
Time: 2.43
